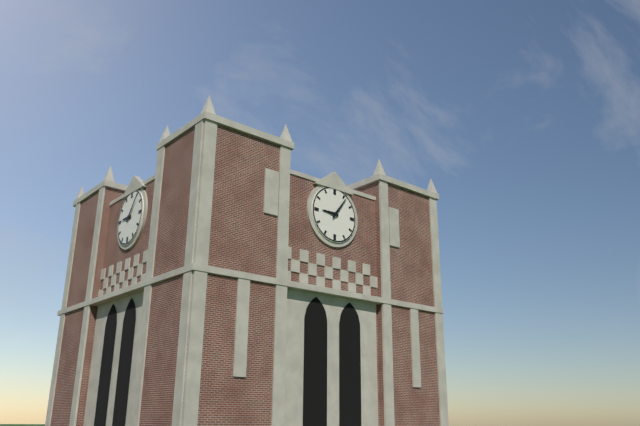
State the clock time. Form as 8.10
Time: 9.06
